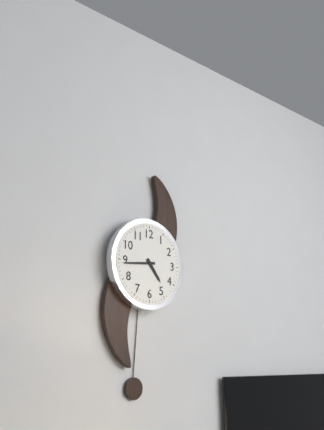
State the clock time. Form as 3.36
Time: 4.44
